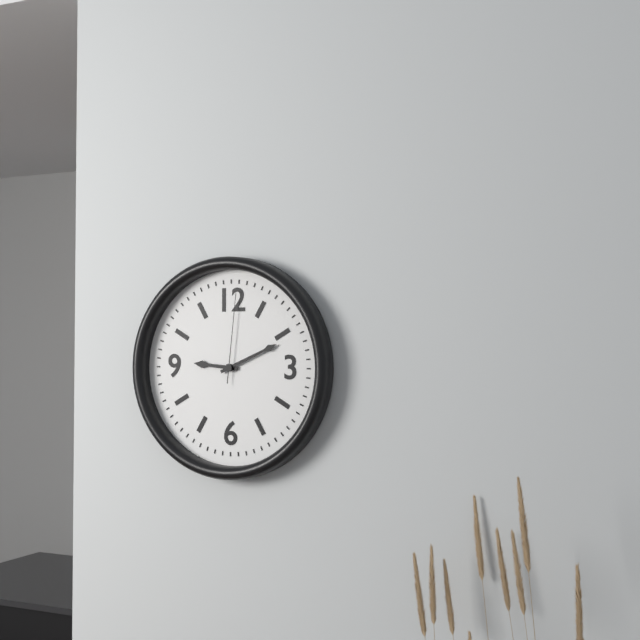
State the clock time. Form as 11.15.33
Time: 9.11.01
